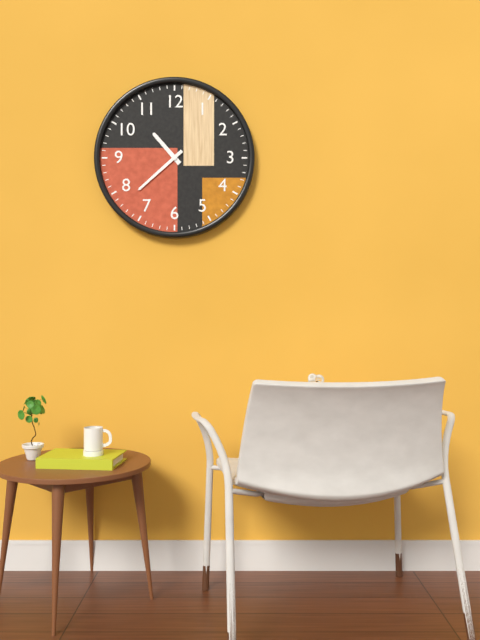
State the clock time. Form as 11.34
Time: 10.38
